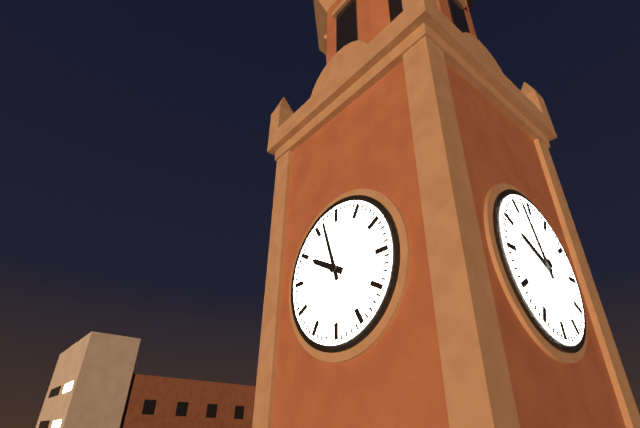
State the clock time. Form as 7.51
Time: 9.57
